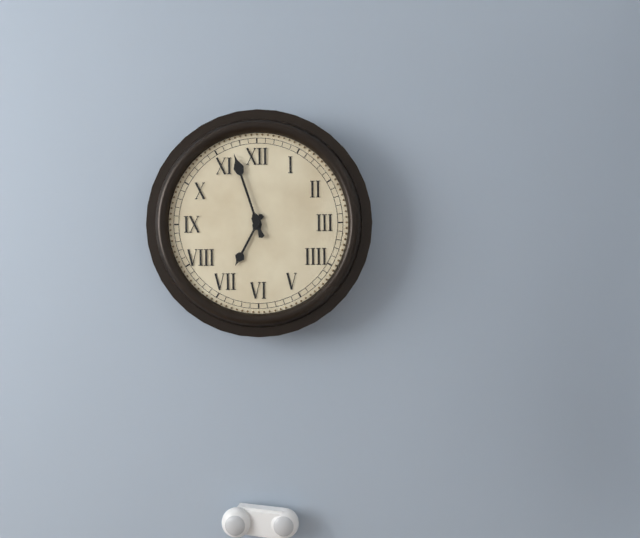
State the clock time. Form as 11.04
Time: 6.57
